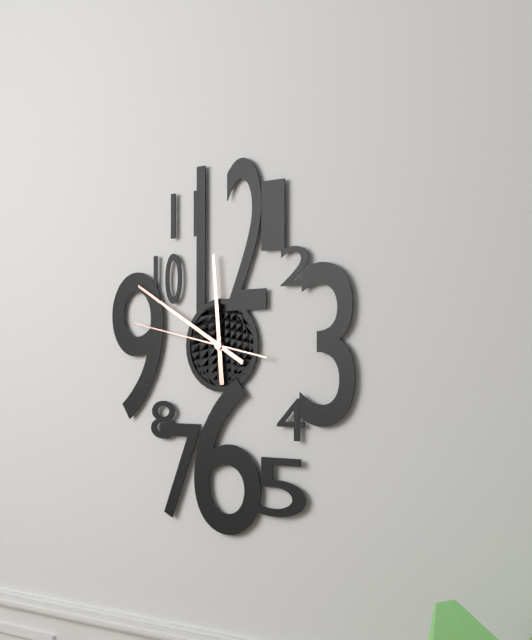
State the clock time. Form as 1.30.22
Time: 11.50.47
